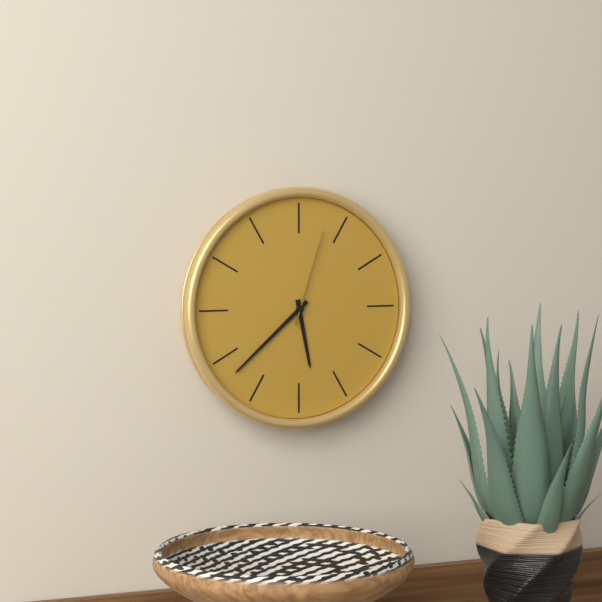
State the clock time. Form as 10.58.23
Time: 5.38.03
